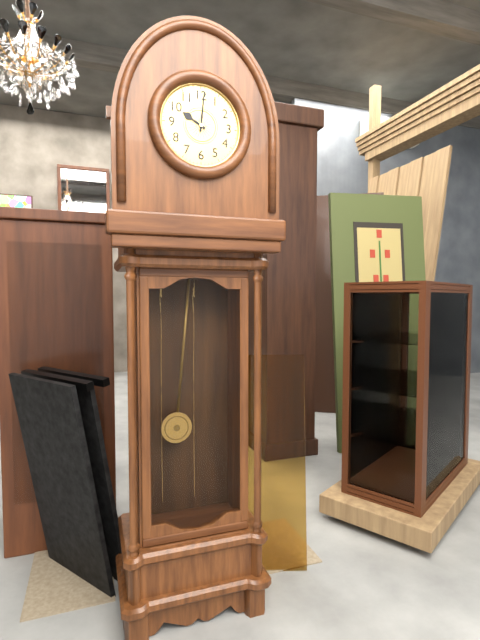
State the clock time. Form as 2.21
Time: 10.01
